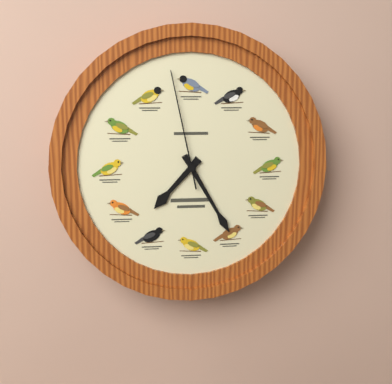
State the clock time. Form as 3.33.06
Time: 7.25.58
